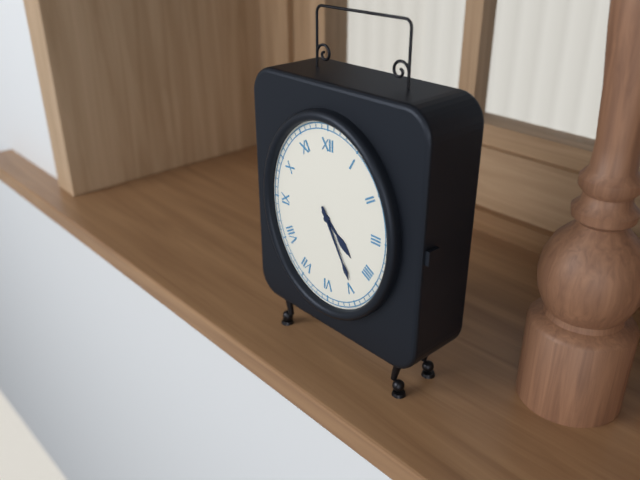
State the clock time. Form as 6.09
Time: 4.25
